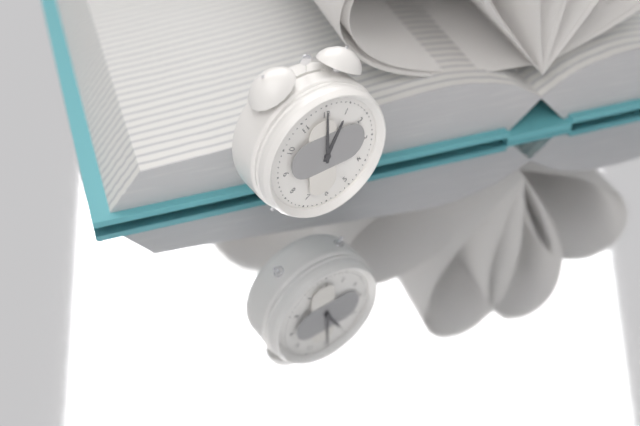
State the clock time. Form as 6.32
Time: 1.00
